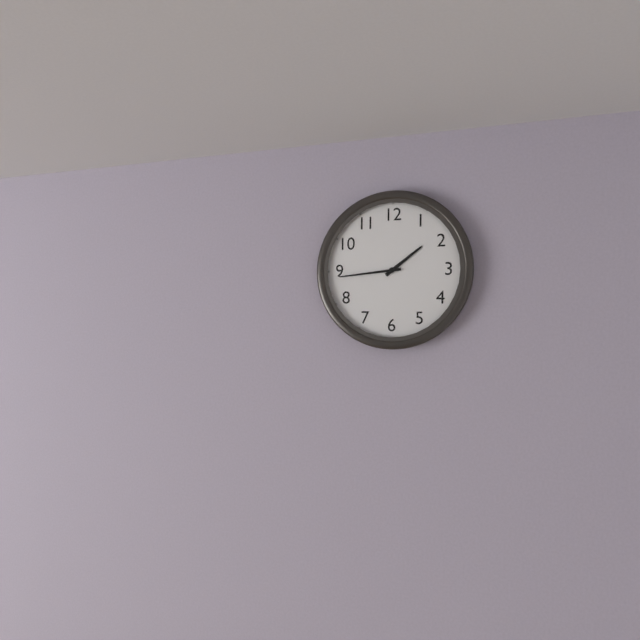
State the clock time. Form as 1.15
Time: 1.44
